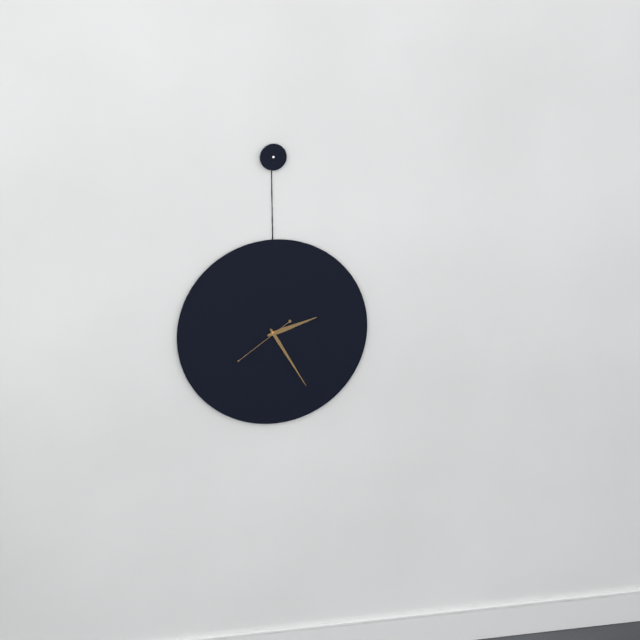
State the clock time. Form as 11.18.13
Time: 2.25.39
